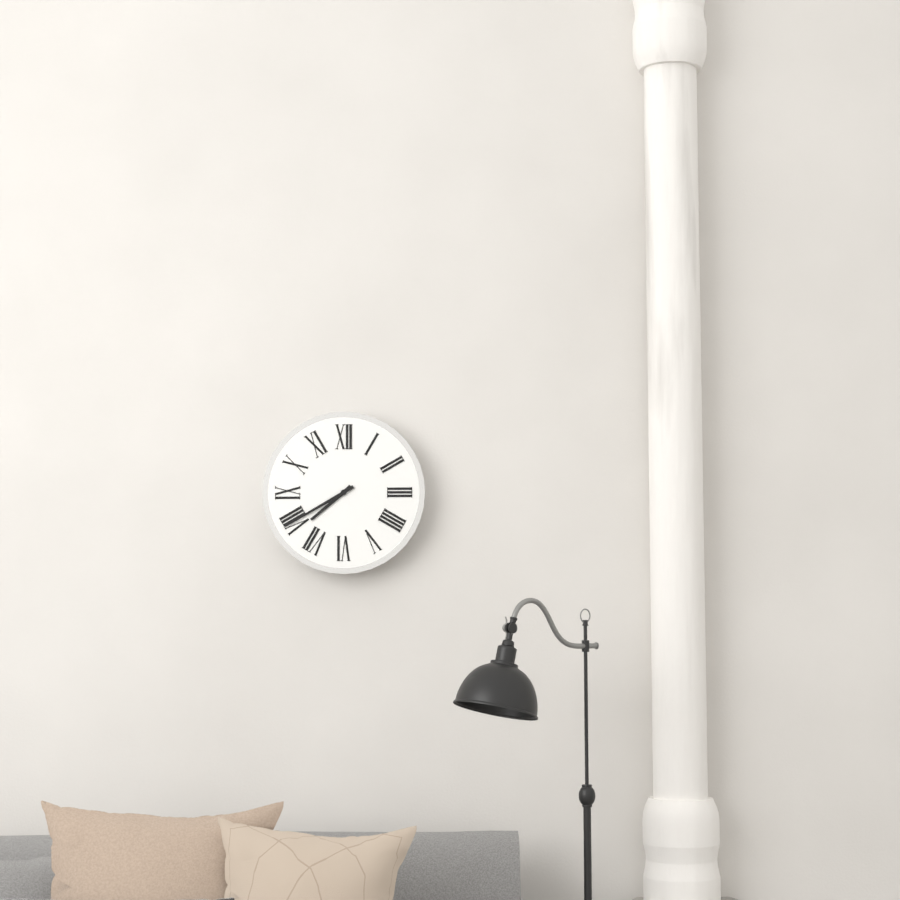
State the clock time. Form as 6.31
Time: 7.40
